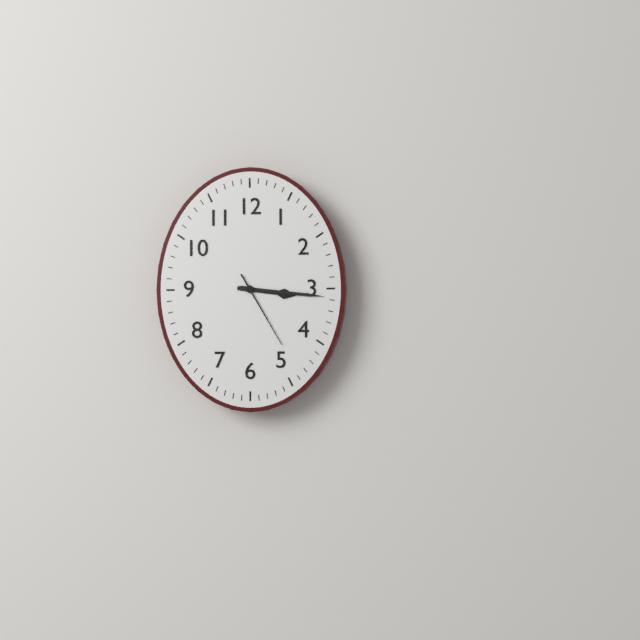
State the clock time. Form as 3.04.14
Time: 3.16.25
